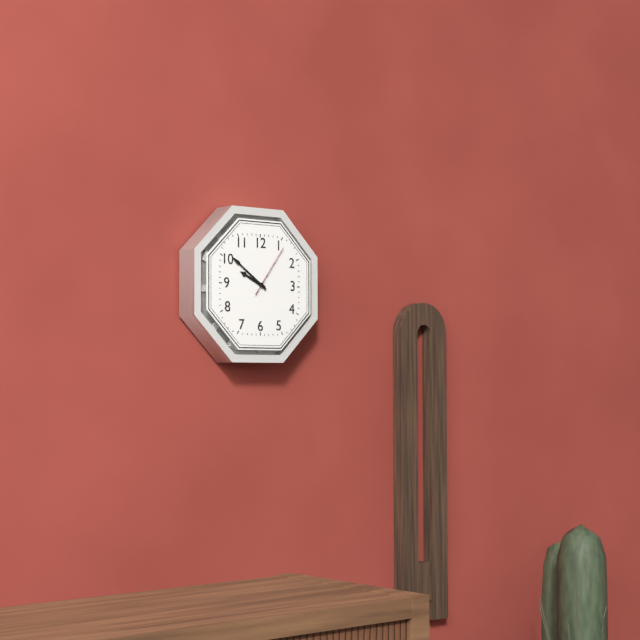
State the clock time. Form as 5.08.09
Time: 9.51.06
